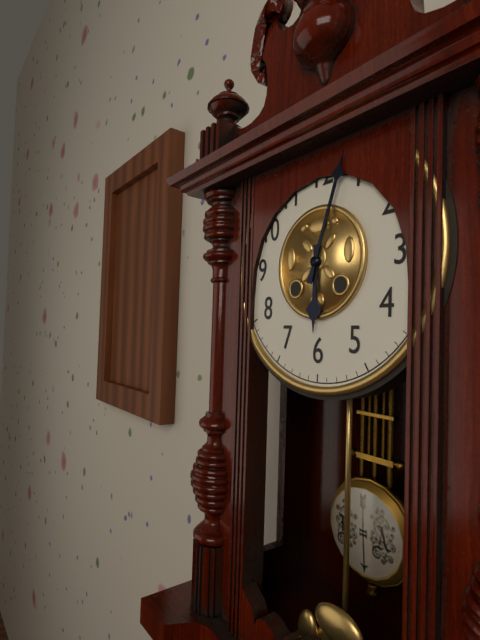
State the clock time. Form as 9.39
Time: 6.03
